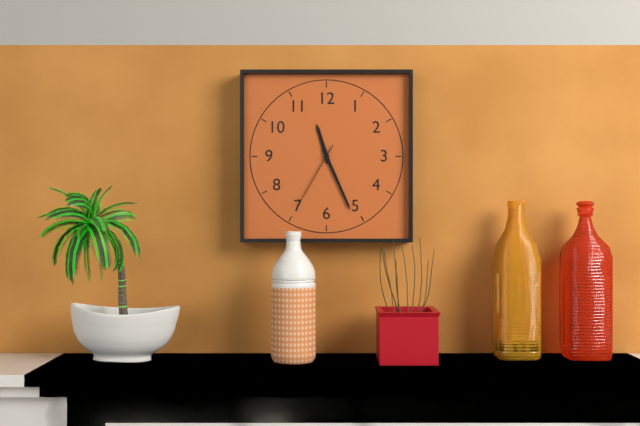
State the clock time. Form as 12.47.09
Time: 11.26.35
